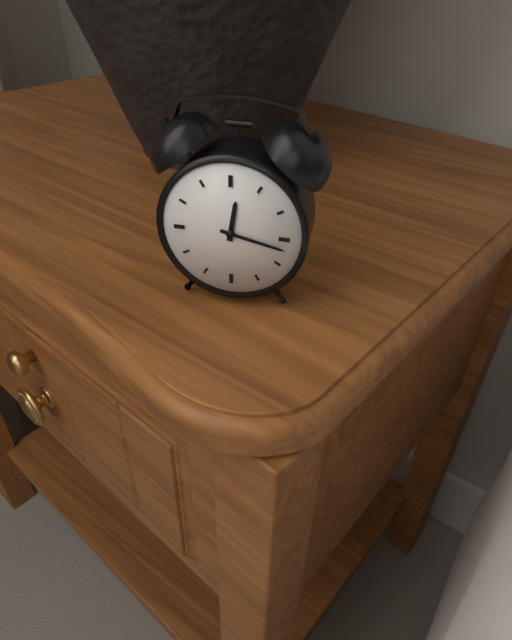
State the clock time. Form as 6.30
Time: 12.17
